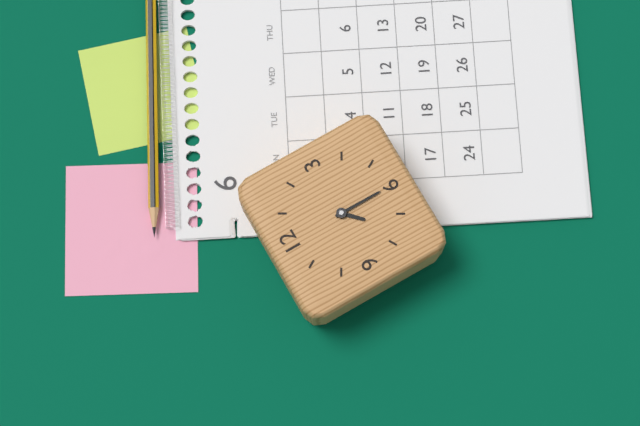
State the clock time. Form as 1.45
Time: 7.30
